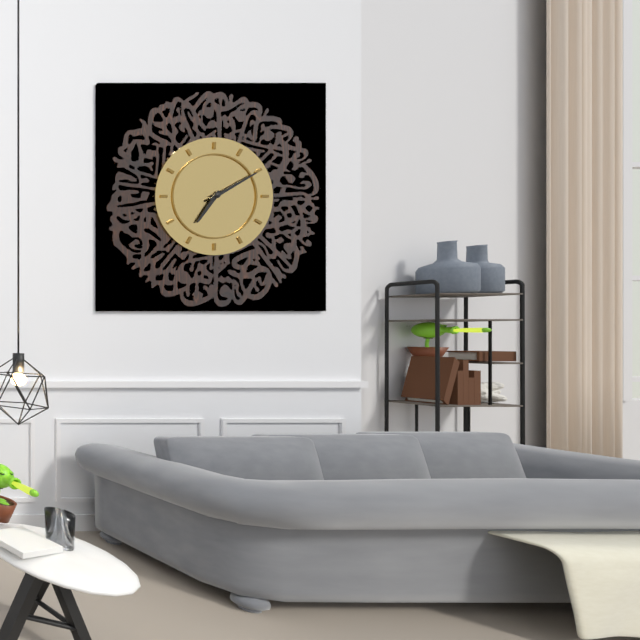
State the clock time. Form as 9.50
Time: 7.10
